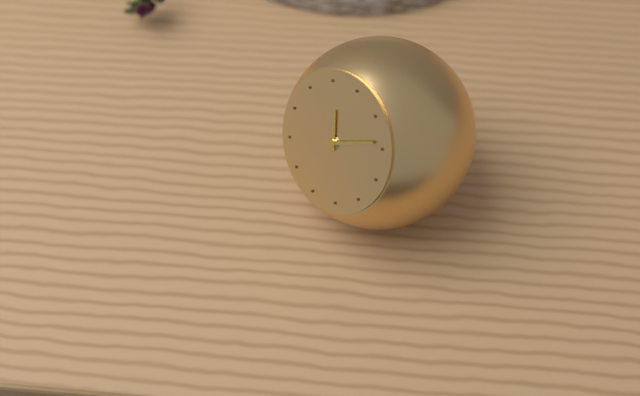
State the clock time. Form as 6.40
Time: 11.09
